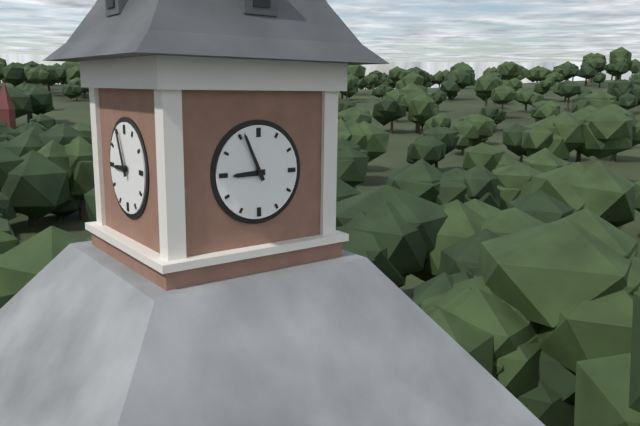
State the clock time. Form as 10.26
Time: 8.56
